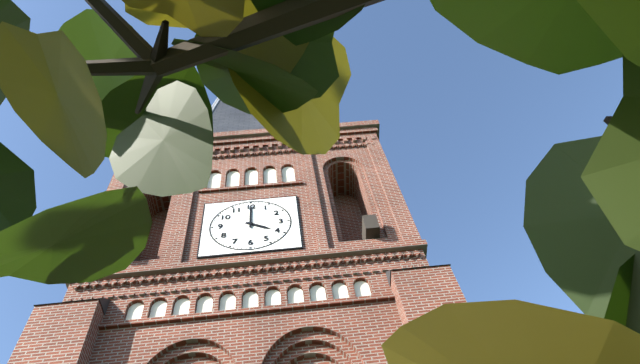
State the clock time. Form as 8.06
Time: 4.00
